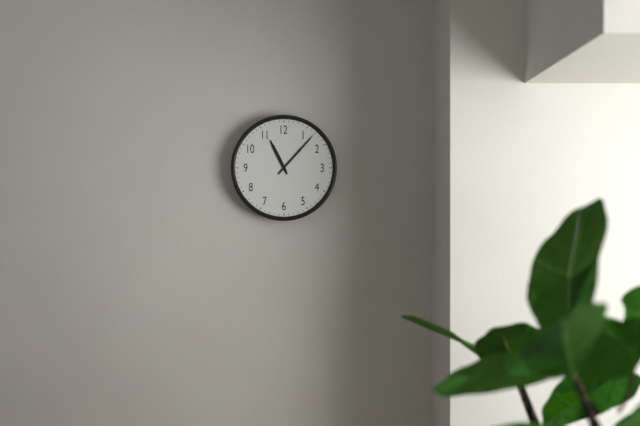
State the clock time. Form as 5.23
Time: 11.07
